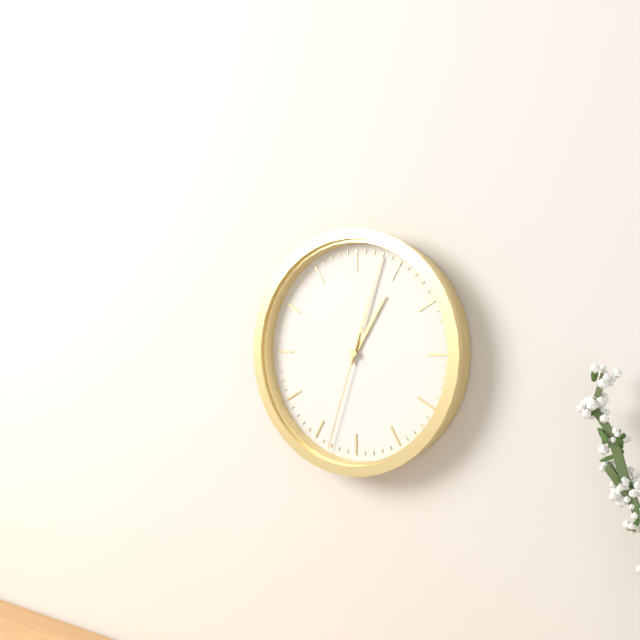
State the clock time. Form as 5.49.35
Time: 1.03.33
